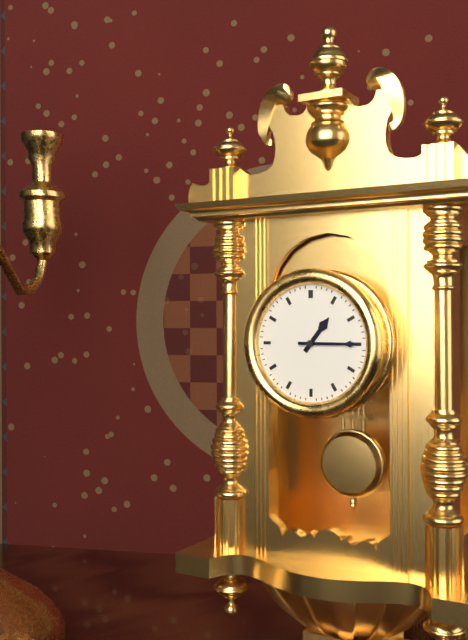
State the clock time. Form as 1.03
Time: 1.15
